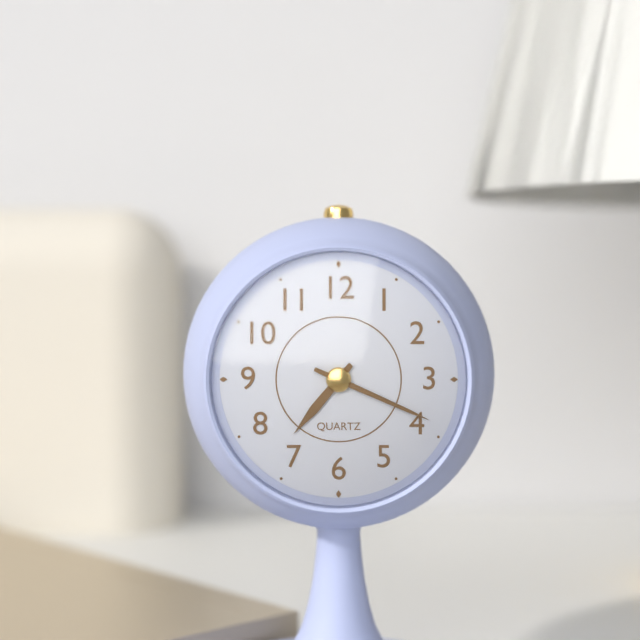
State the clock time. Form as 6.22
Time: 7.19
